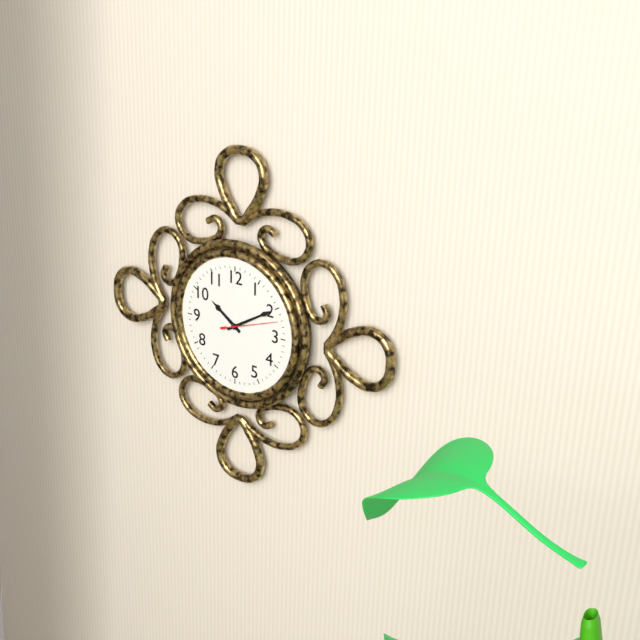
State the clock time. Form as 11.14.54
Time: 10.10.12
